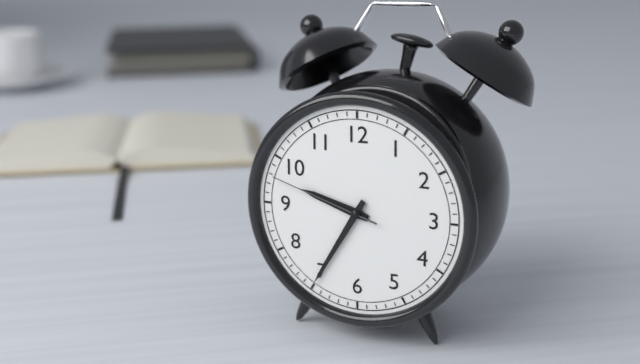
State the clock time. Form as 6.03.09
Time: 9.35.48
